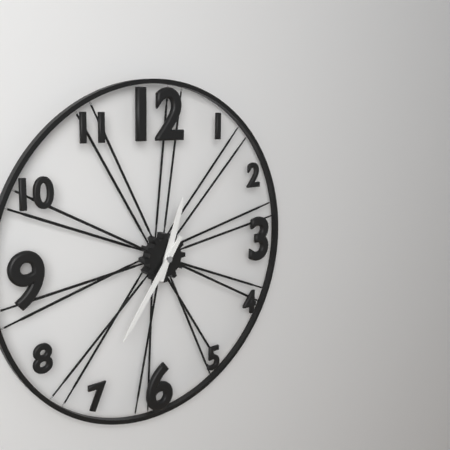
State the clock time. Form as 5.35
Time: 12.36
